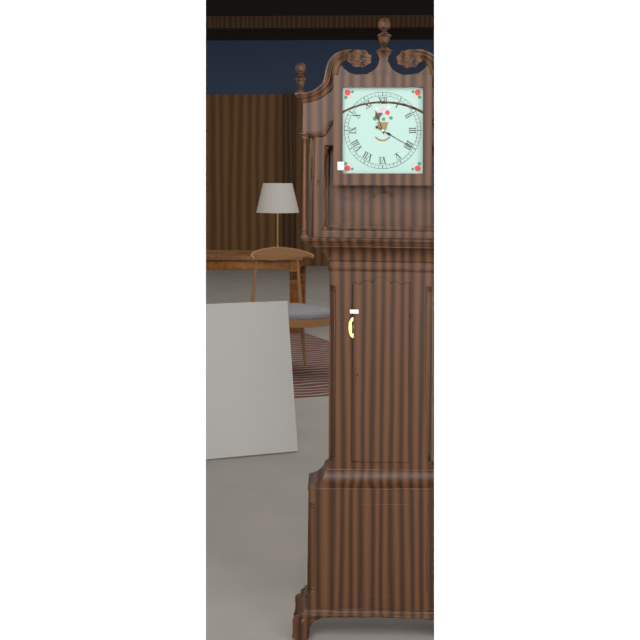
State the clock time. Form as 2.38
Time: 11.20
